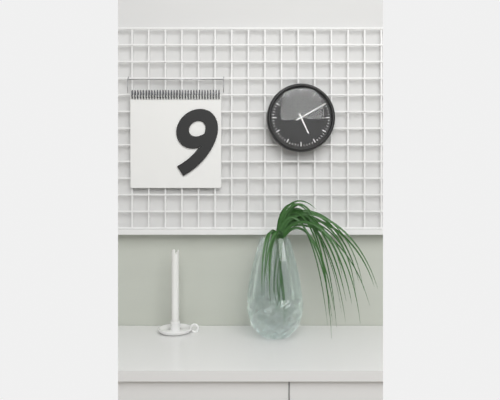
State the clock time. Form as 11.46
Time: 5.10
